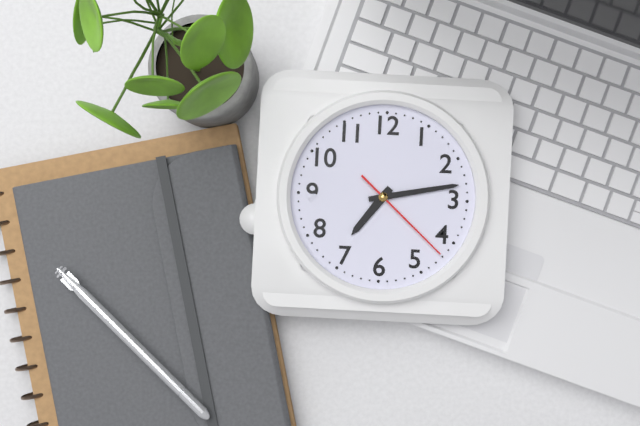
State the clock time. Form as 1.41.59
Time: 7.13.22
